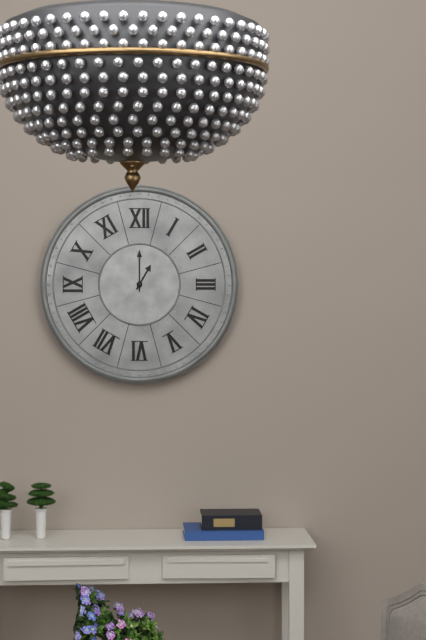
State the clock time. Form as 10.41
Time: 1.00
